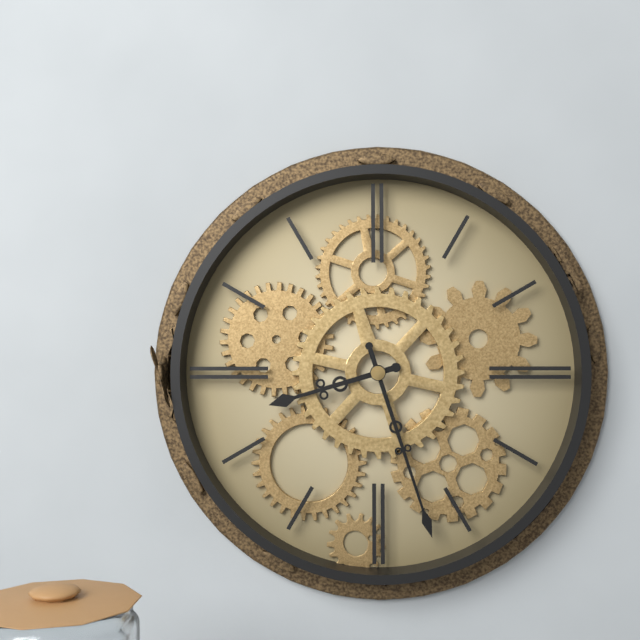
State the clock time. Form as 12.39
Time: 8.27
